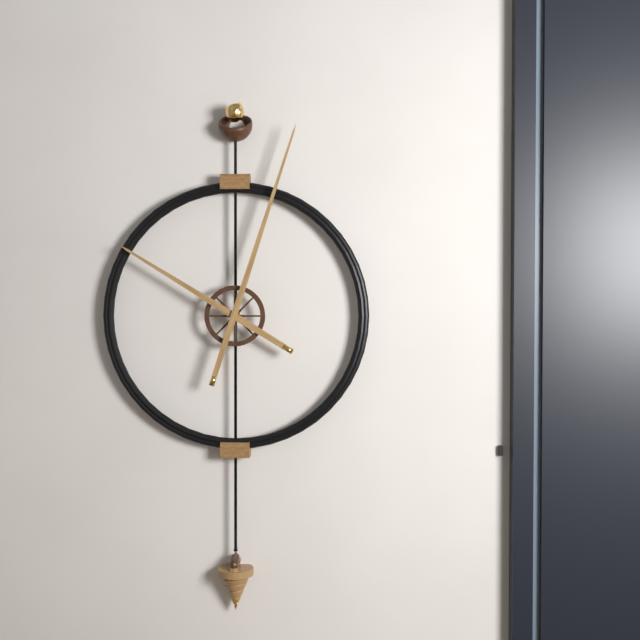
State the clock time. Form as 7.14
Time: 10.03
